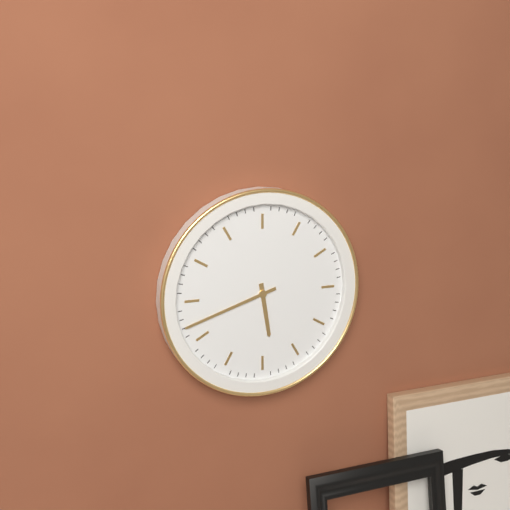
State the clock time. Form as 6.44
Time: 5.42
